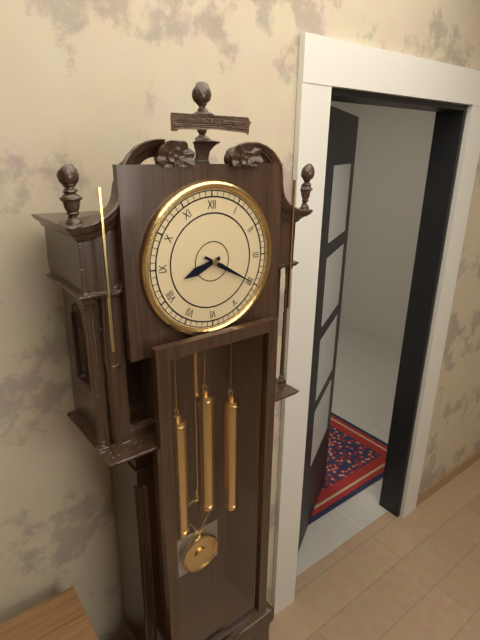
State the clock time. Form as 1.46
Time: 8.20
